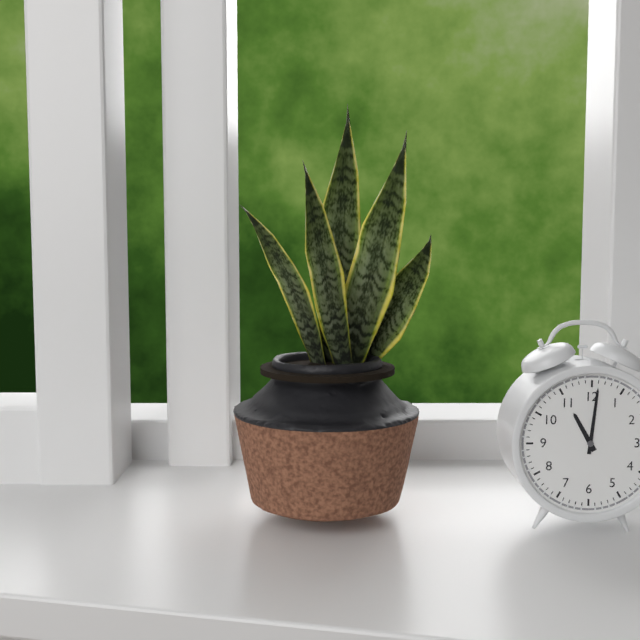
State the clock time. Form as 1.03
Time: 11.01
